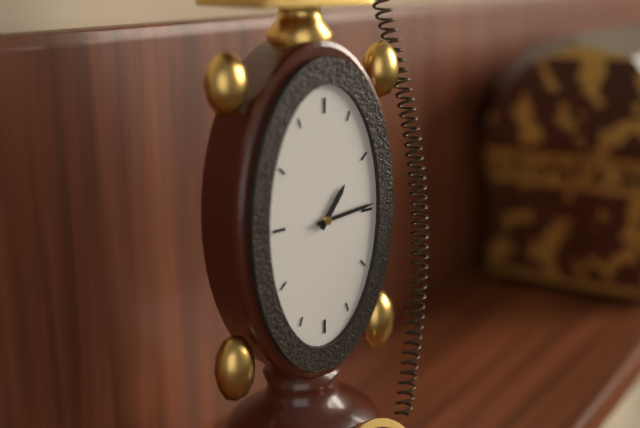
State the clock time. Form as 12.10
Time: 1.14
